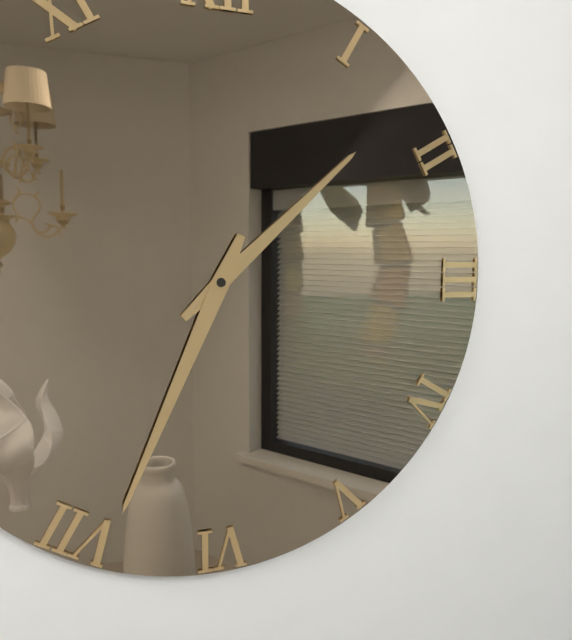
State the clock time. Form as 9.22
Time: 1.34
